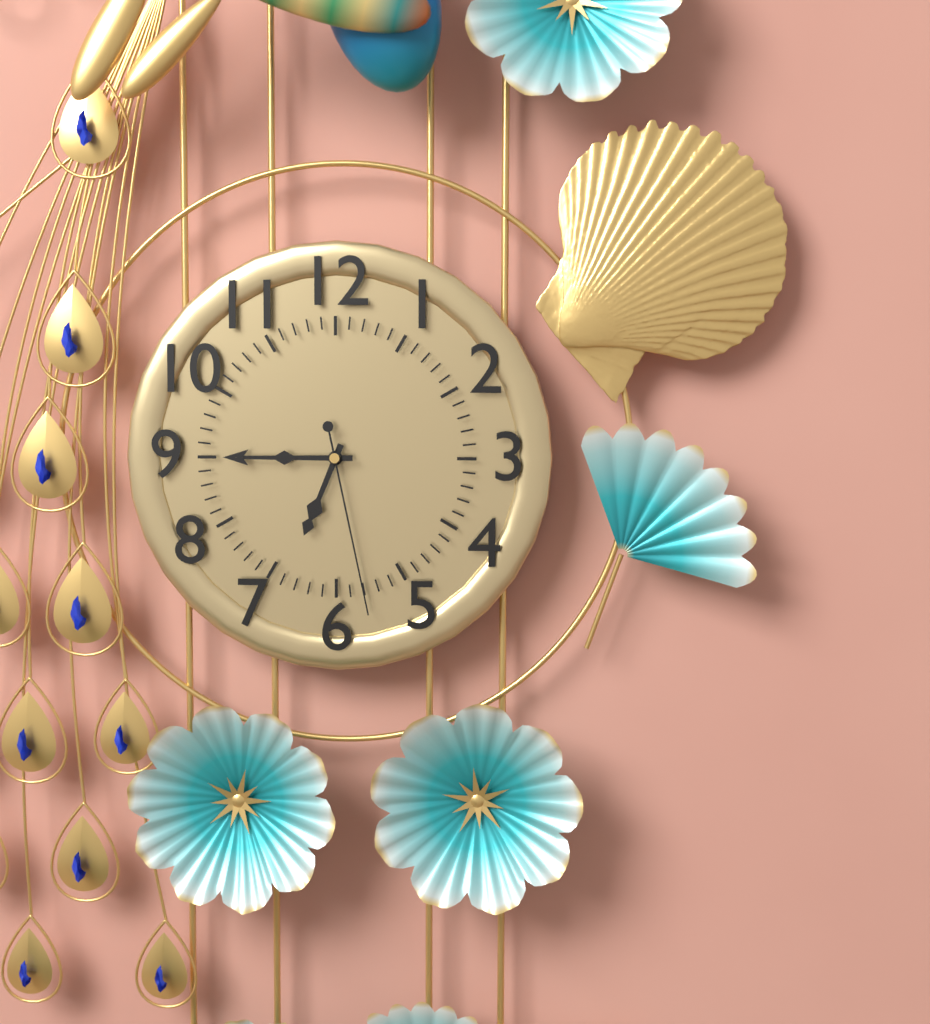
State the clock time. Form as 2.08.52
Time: 6.45.28
